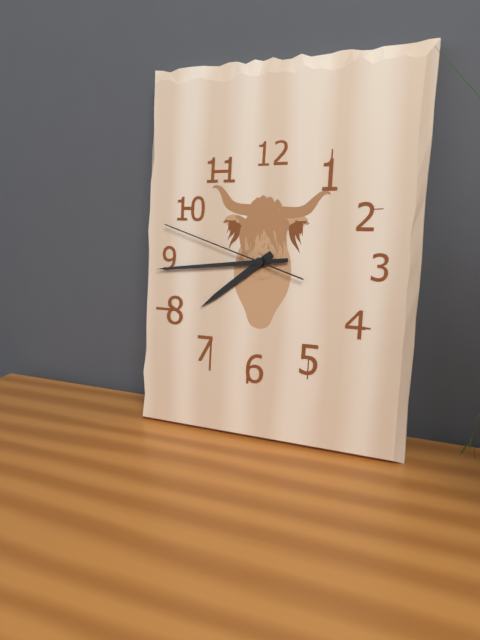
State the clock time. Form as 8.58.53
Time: 7.44.48
